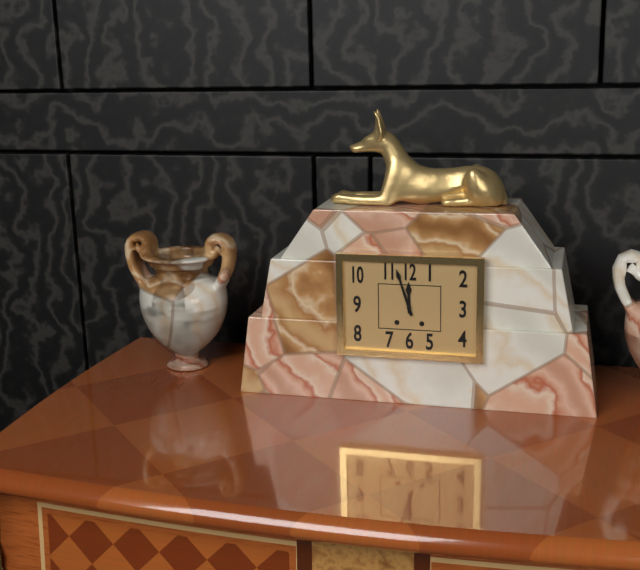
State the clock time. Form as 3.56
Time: 11.57
